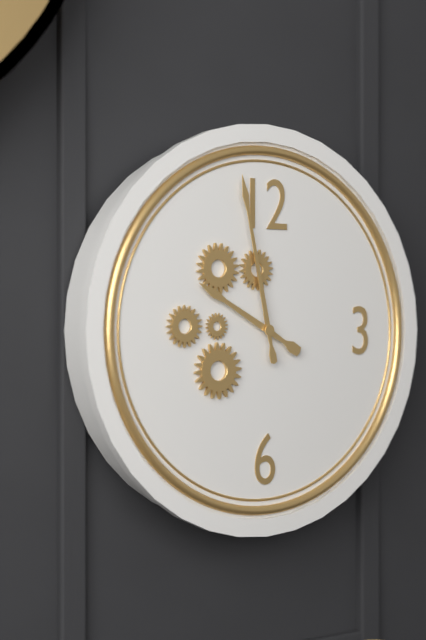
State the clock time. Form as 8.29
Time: 9.58
